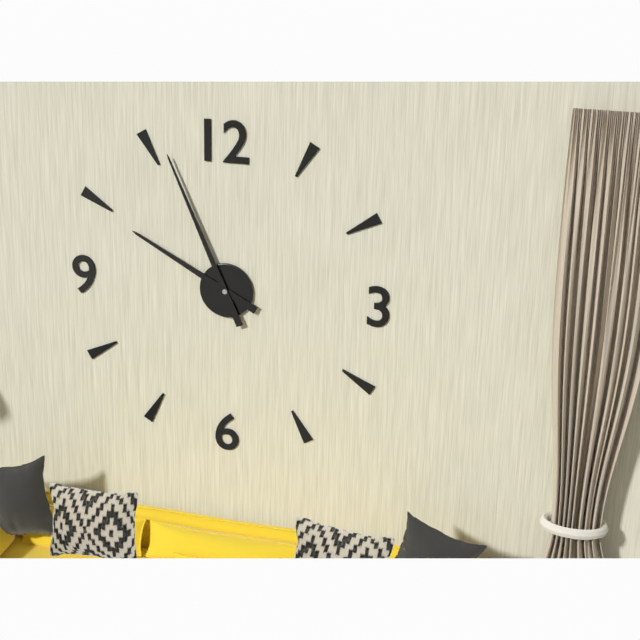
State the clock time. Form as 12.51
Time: 9.56
